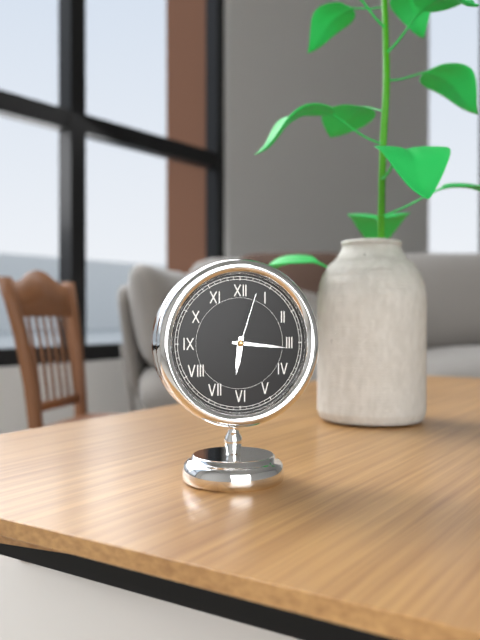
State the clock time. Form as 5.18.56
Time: 6.16.03
